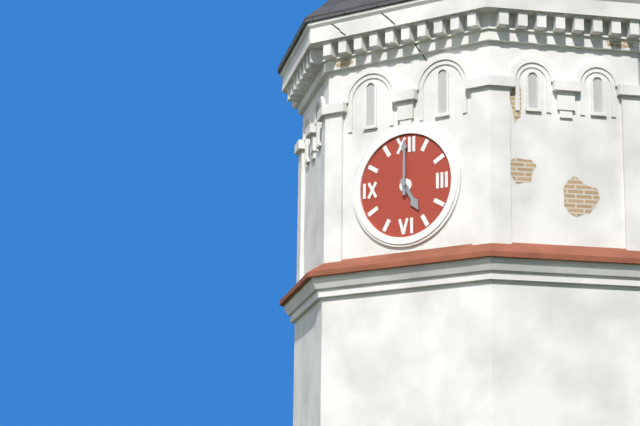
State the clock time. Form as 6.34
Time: 5.00
